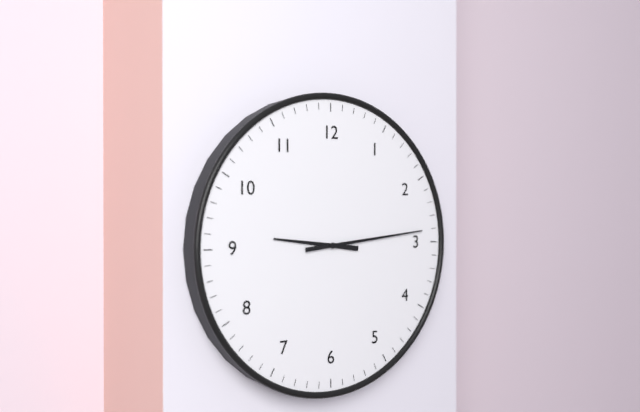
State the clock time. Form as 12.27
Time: 9.14
